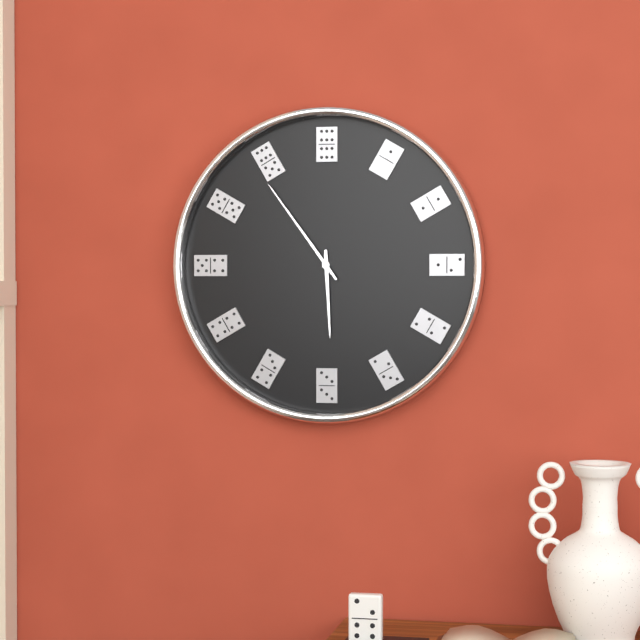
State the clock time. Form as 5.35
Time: 5.54
